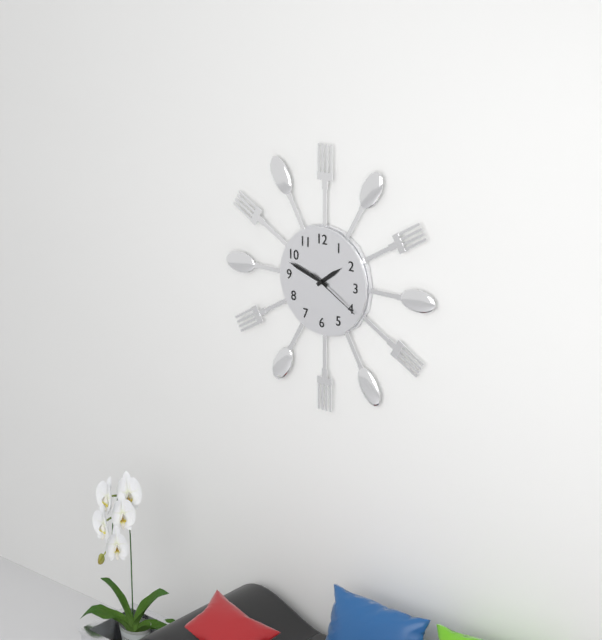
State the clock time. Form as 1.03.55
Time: 1.48.20
